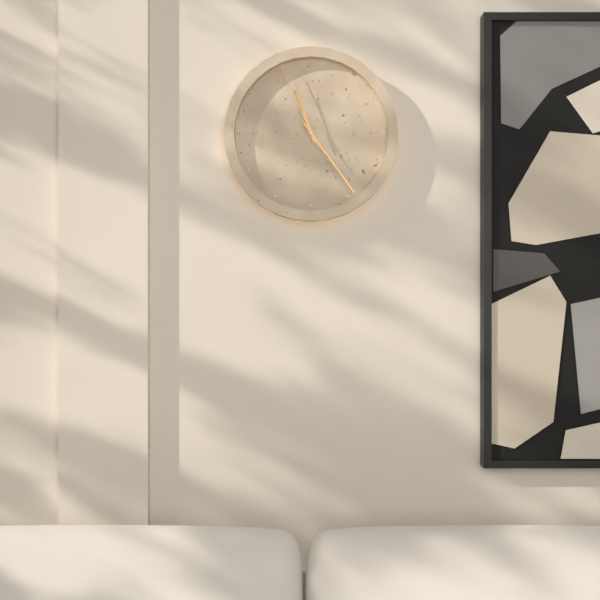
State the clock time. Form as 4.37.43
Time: 11.24.56
